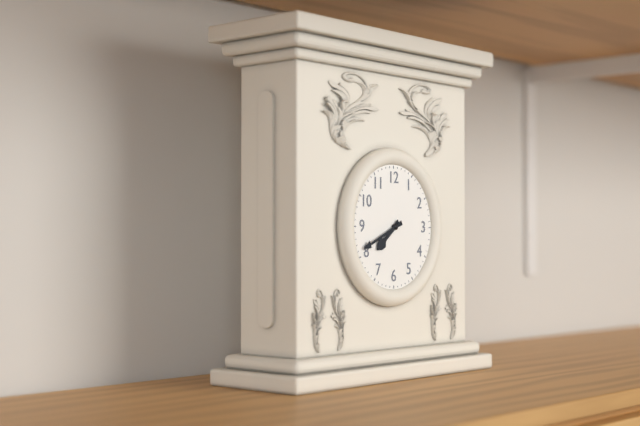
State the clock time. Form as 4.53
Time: 7.41
